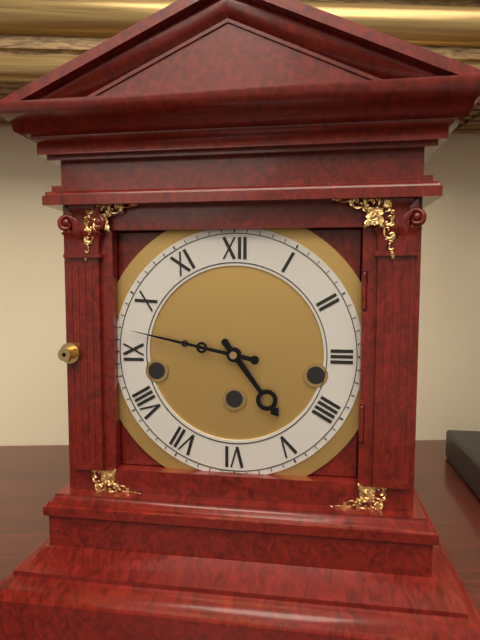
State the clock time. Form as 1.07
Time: 4.47
